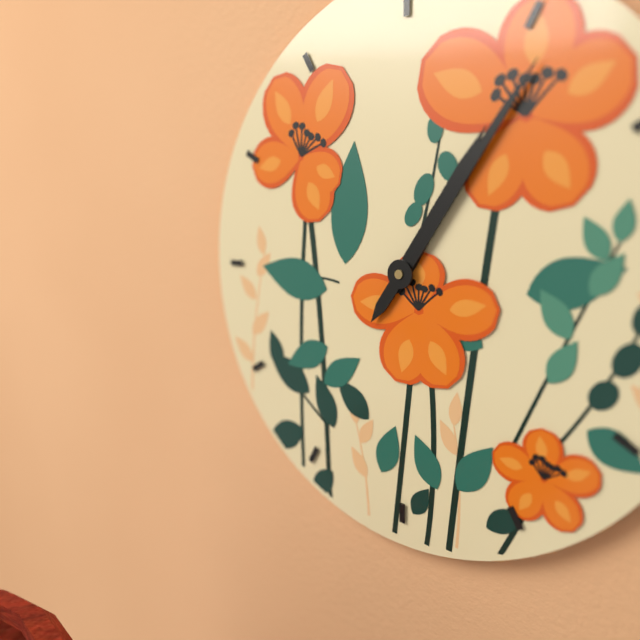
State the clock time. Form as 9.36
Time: 1.06
